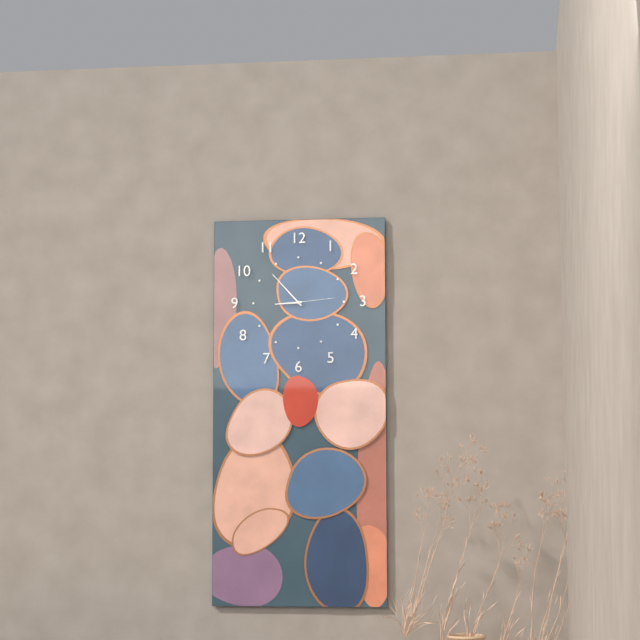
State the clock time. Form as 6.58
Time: 8.53
